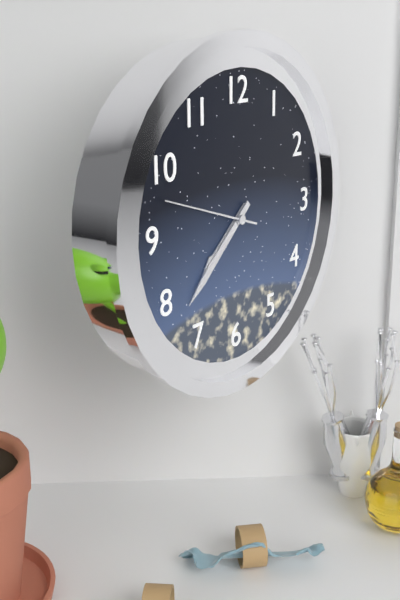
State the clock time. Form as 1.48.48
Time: 7.38.48
